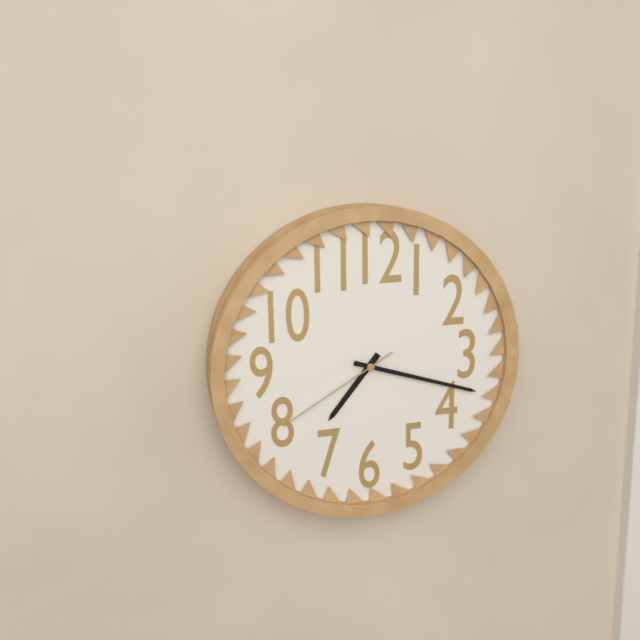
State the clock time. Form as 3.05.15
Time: 7.18.40
